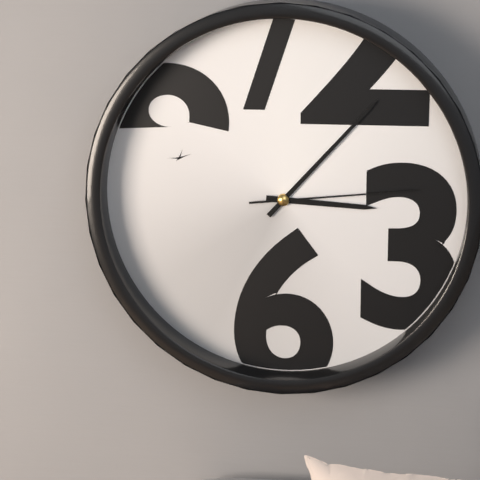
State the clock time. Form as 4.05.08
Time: 3.07.14
